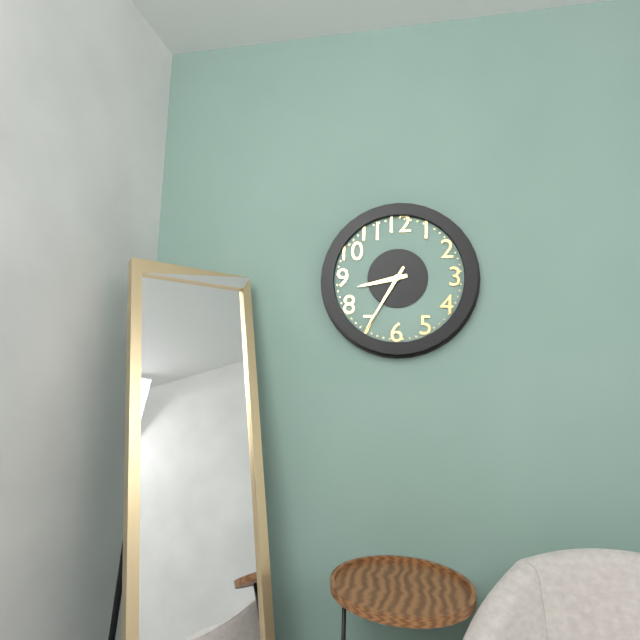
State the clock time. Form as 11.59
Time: 8.35
